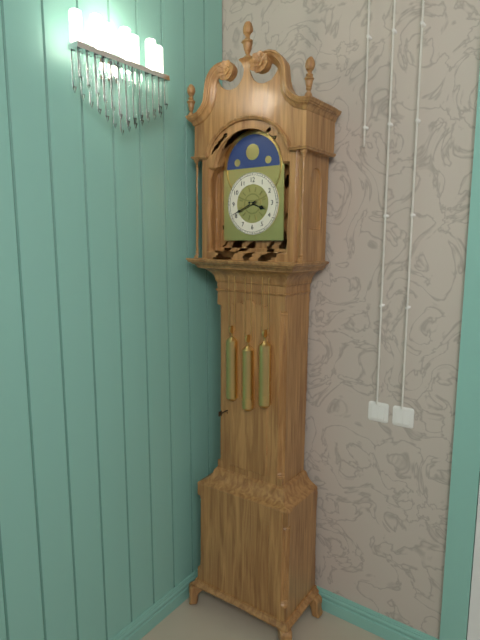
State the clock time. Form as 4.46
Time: 3.41
